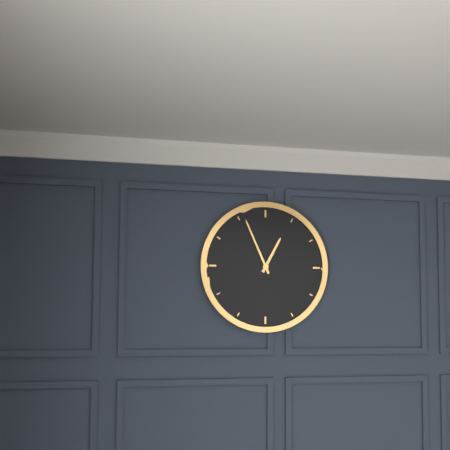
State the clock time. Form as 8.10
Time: 12.56
